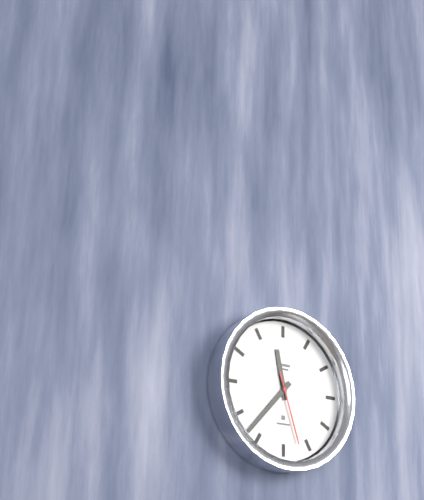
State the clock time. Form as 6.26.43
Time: 11.37.27
